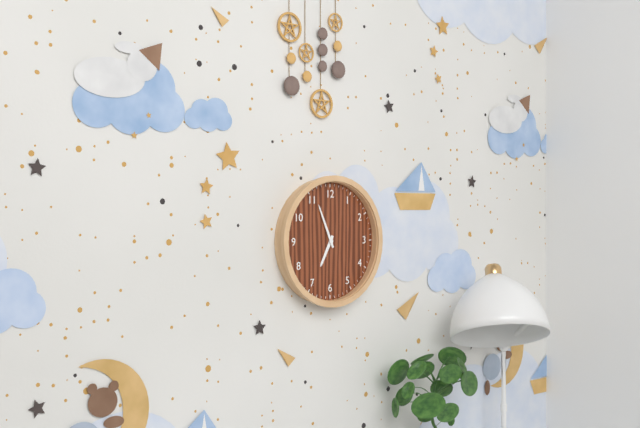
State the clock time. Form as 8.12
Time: 6.56
